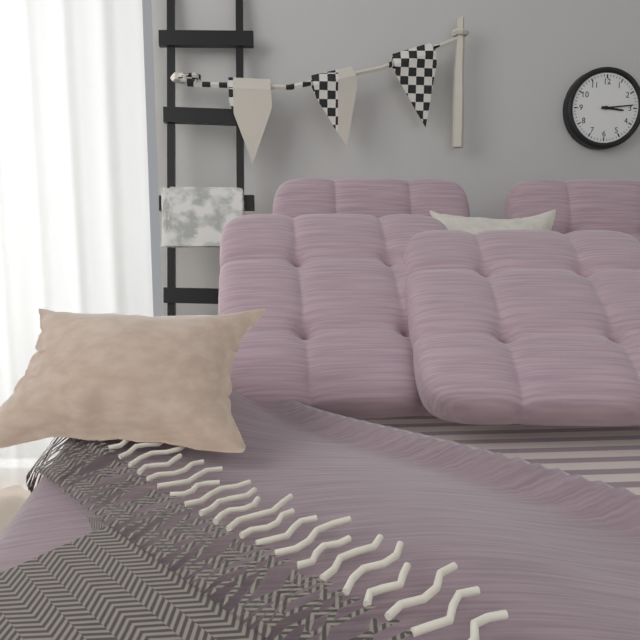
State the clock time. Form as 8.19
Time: 3.14
